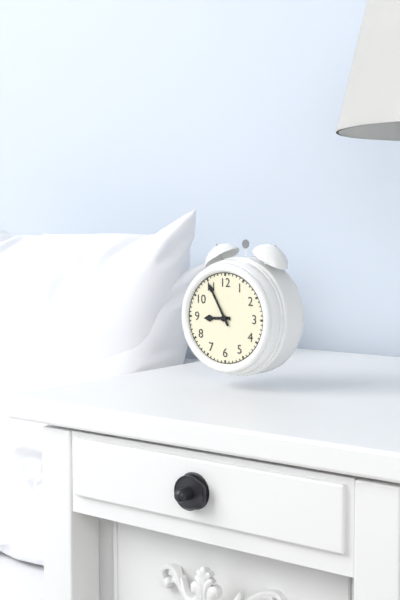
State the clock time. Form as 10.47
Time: 8.55
